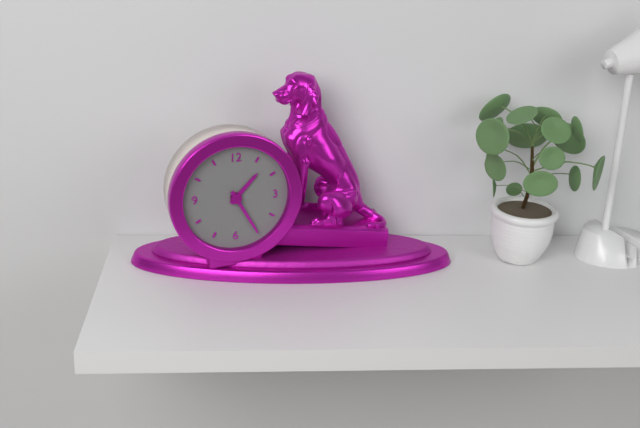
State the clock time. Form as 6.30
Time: 1.25
